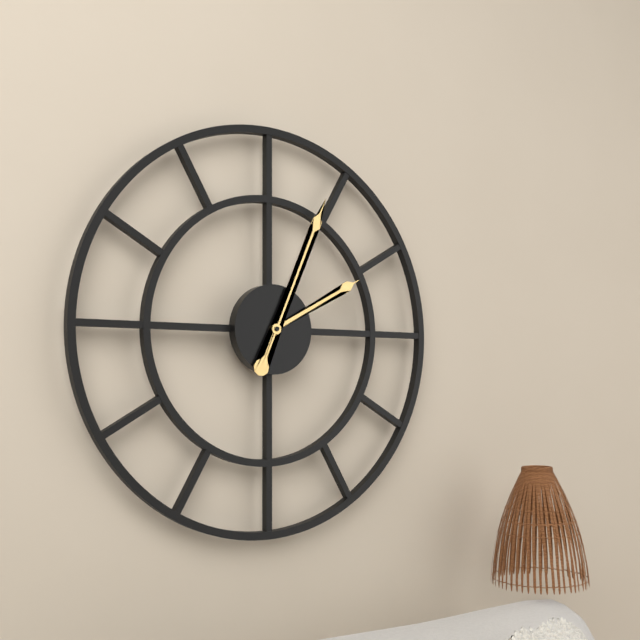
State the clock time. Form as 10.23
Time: 2.04
